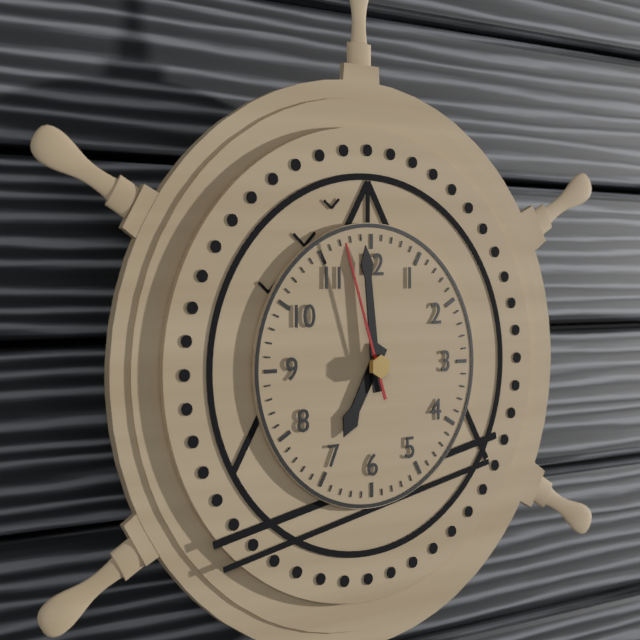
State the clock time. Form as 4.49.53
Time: 6.59.57
